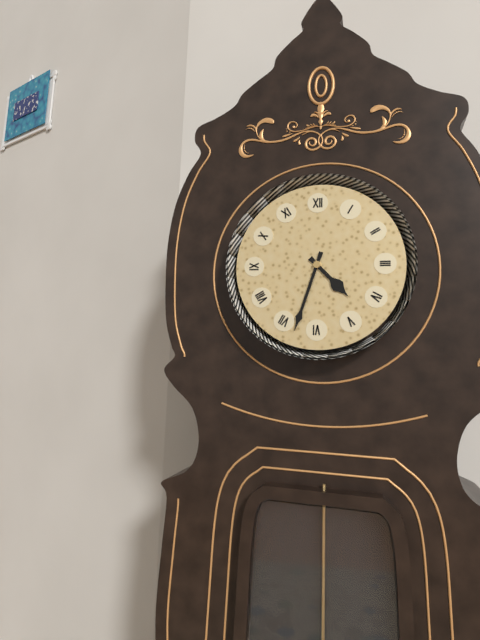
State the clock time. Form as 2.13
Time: 4.33
